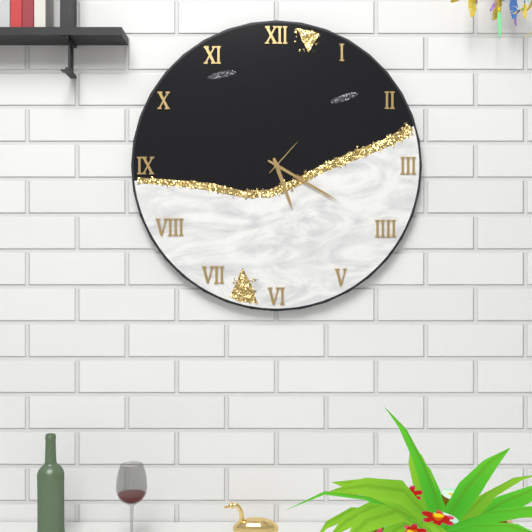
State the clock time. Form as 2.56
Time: 5.20
